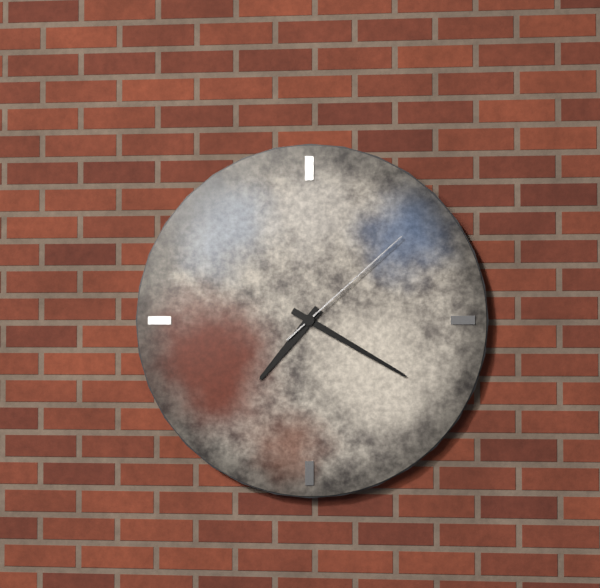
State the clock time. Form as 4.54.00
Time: 7.20.08
